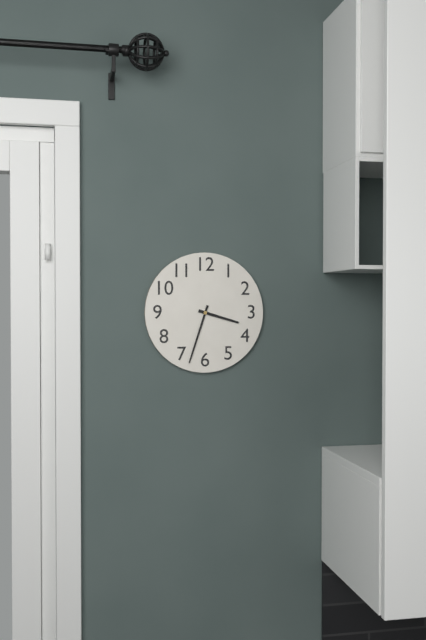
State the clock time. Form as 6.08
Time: 3.33
